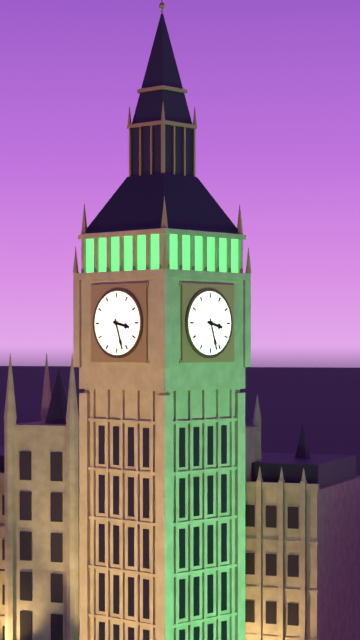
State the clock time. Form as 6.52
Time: 3.27
